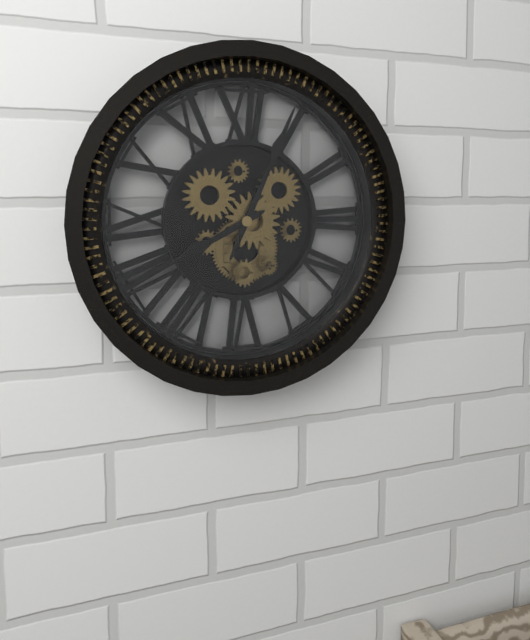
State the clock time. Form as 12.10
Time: 8.04
